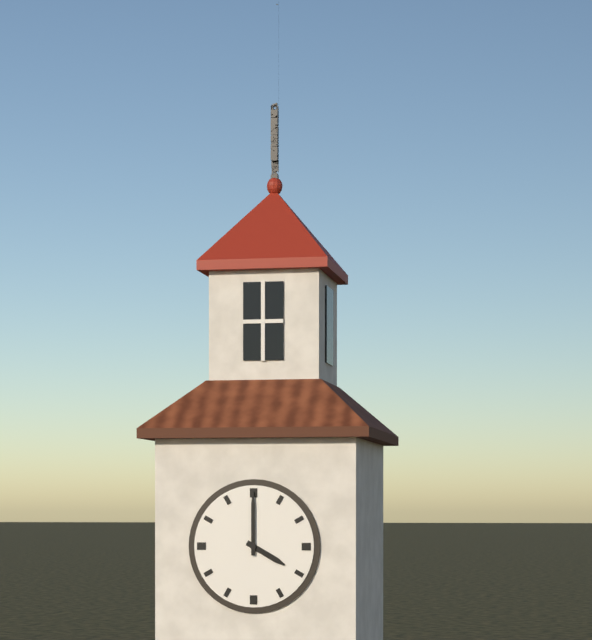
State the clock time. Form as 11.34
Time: 4.00
